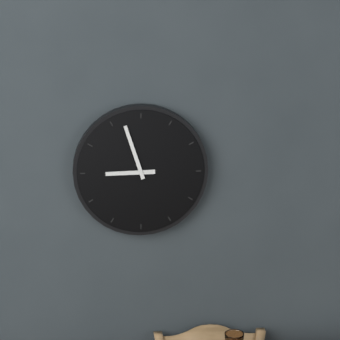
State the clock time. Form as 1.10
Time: 8.57
